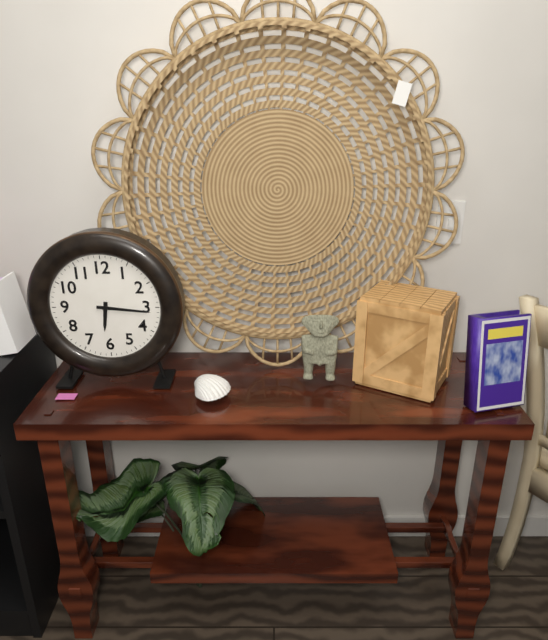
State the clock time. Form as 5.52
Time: 6.16
